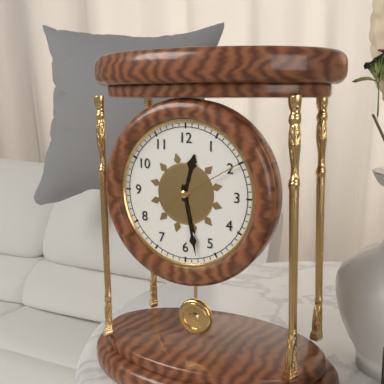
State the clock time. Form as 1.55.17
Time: 12.28.10
